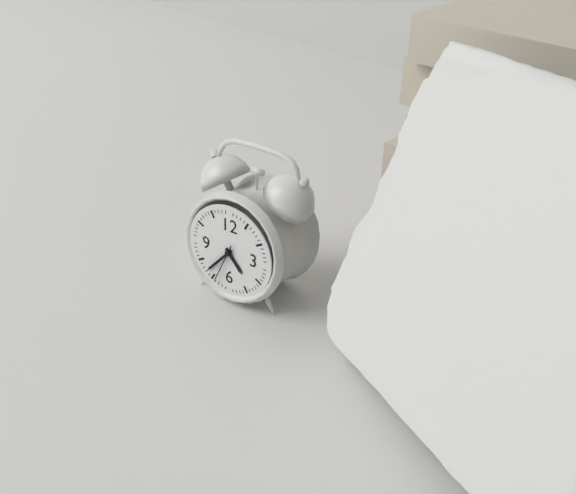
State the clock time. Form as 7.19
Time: 4.37
